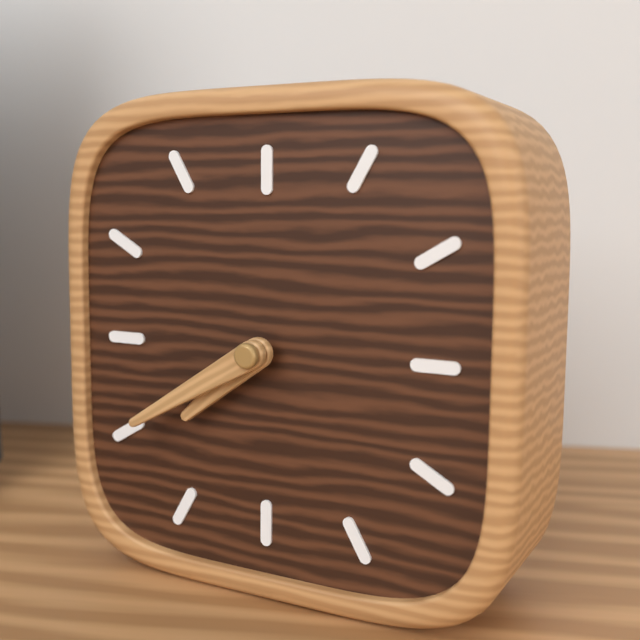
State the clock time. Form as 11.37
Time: 7.40
